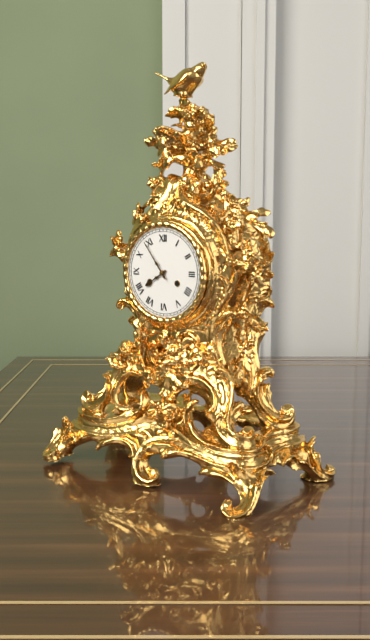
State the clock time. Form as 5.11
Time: 7.54
